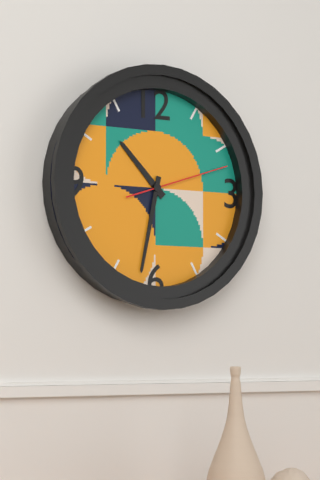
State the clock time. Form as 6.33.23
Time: 10.32.12
